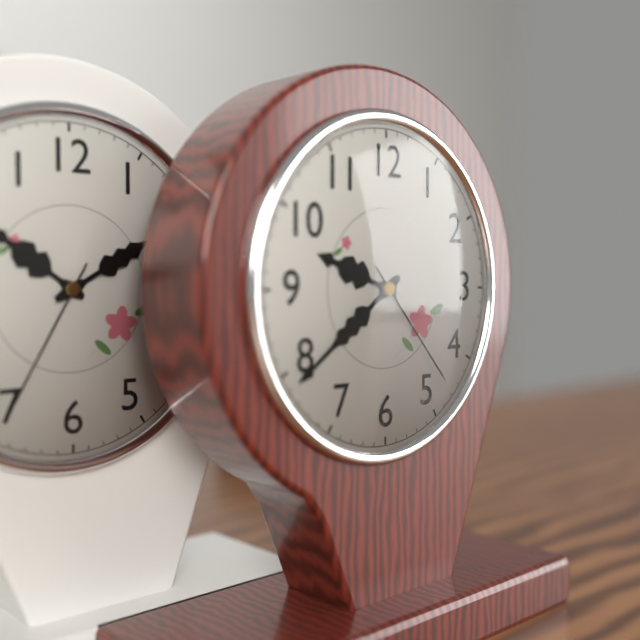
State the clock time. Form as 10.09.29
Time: 9.39.23
